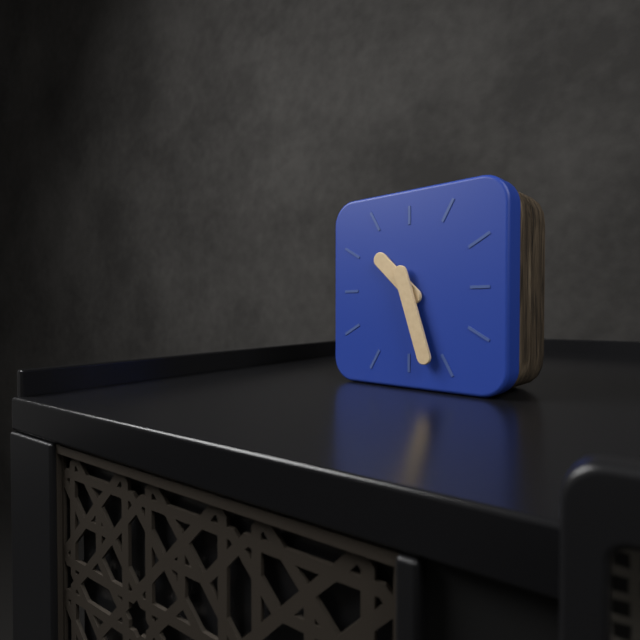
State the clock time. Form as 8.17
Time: 10.27
